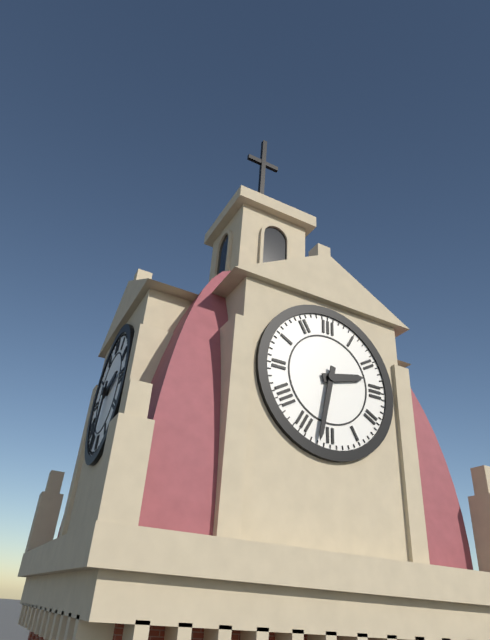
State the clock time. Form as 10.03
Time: 2.32
